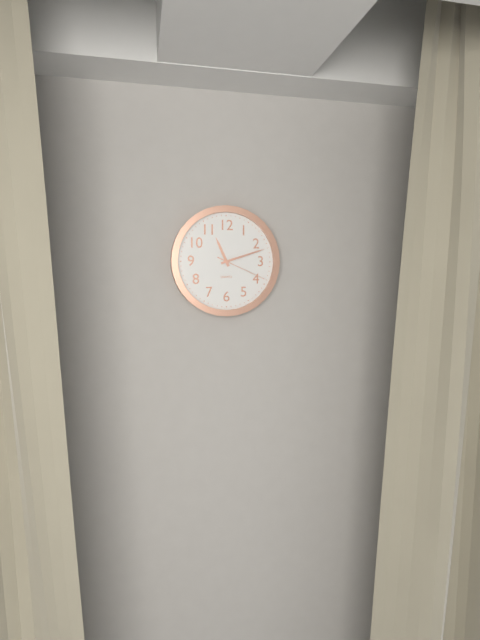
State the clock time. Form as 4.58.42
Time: 11.12.19
